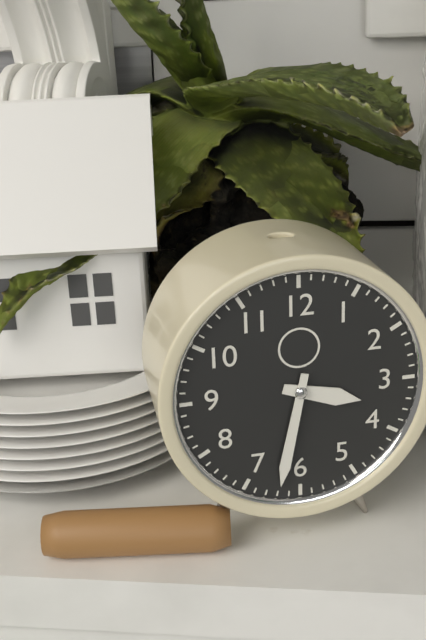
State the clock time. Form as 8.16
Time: 3.32
